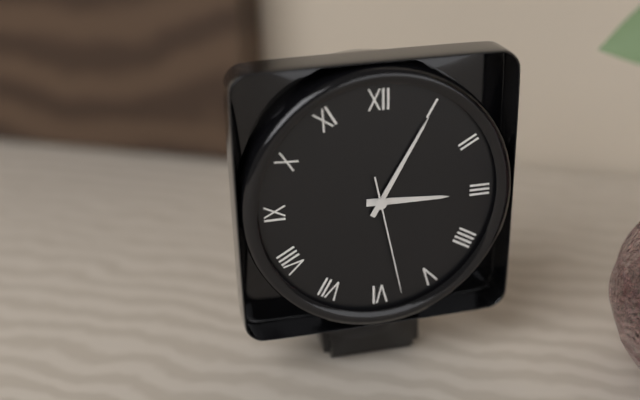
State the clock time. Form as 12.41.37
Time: 3.05.28
